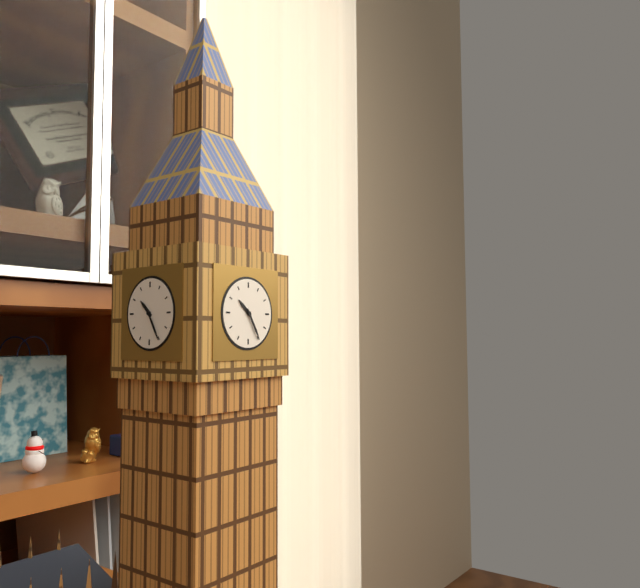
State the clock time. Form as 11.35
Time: 10.25
